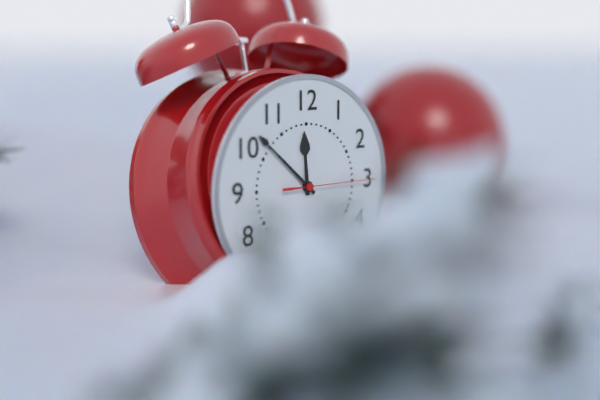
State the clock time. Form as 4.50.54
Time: 11.52.15
